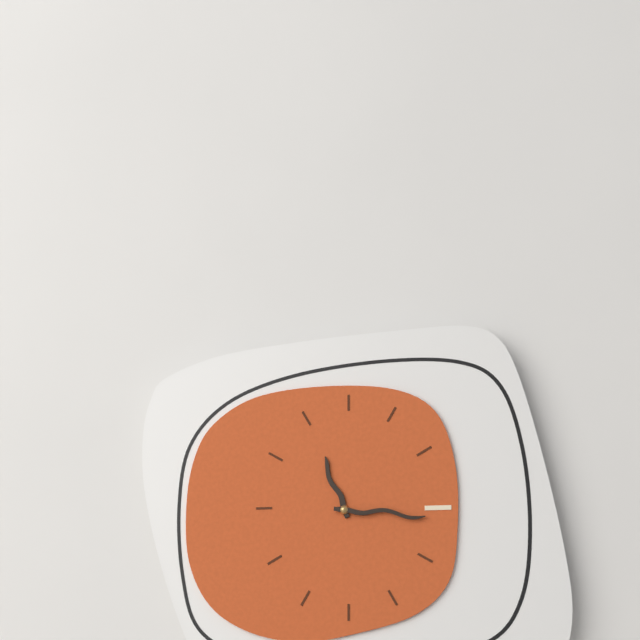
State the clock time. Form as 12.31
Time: 11.16
